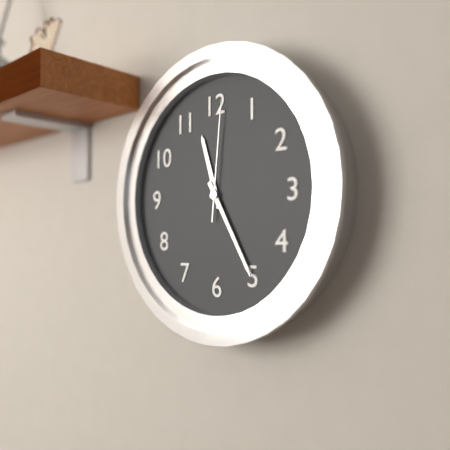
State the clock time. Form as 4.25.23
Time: 11.25.01
